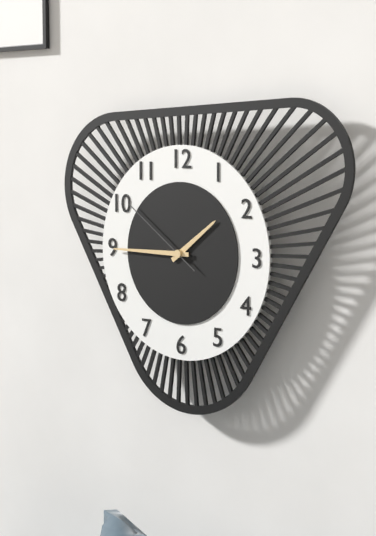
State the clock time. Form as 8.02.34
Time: 1.45.51
